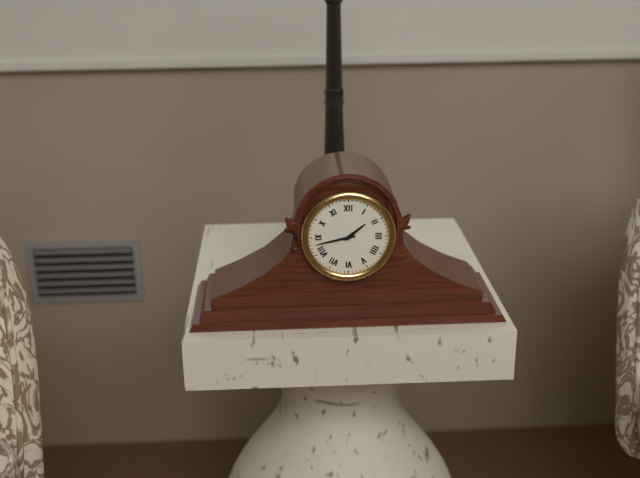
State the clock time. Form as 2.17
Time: 1.43
